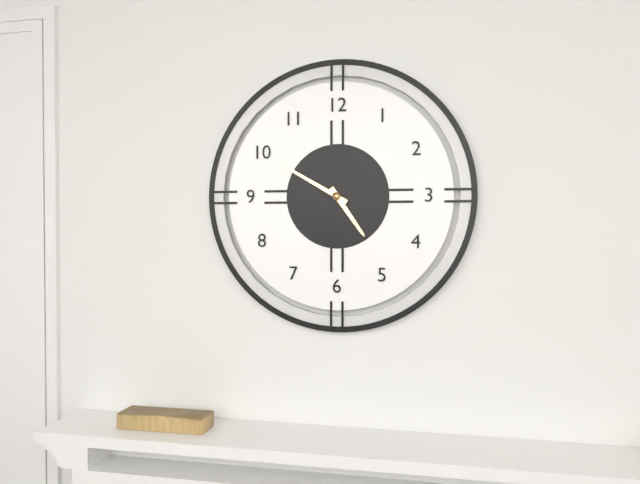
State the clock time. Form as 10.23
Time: 4.50
